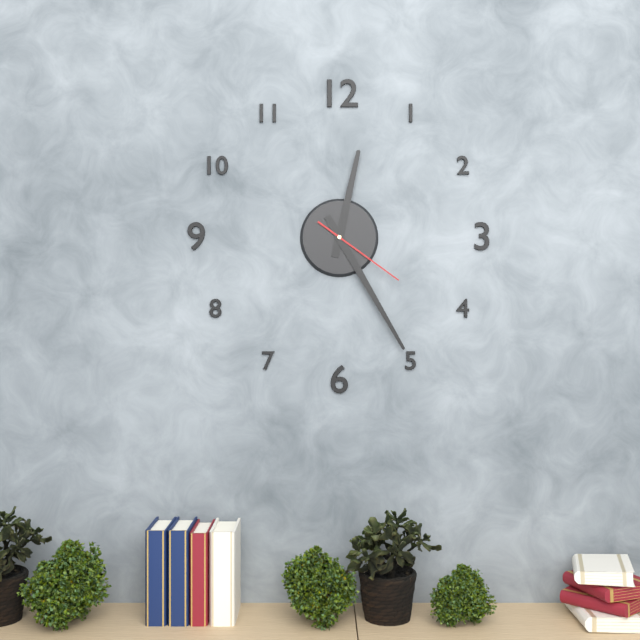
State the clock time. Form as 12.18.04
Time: 12.25.21
